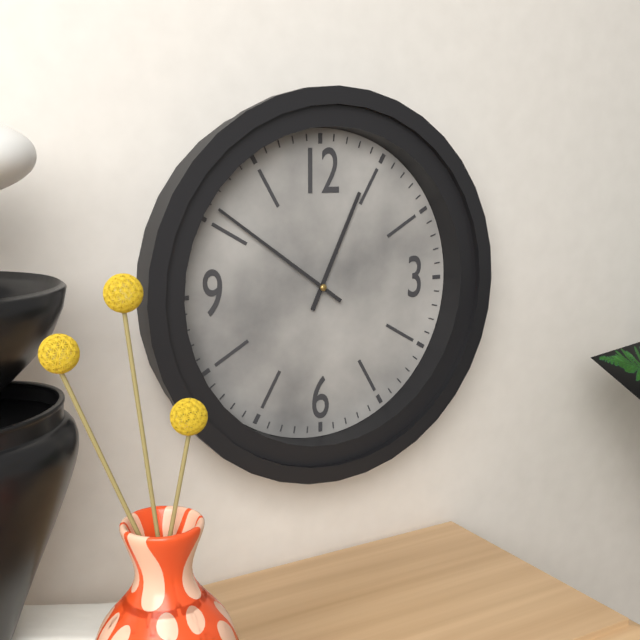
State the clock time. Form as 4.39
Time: 12.51
